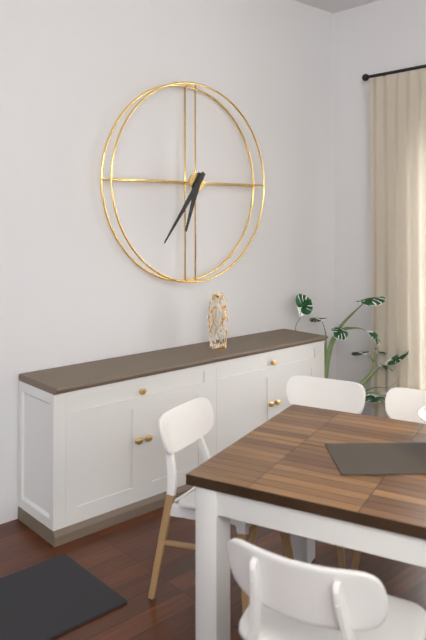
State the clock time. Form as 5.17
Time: 6.36
